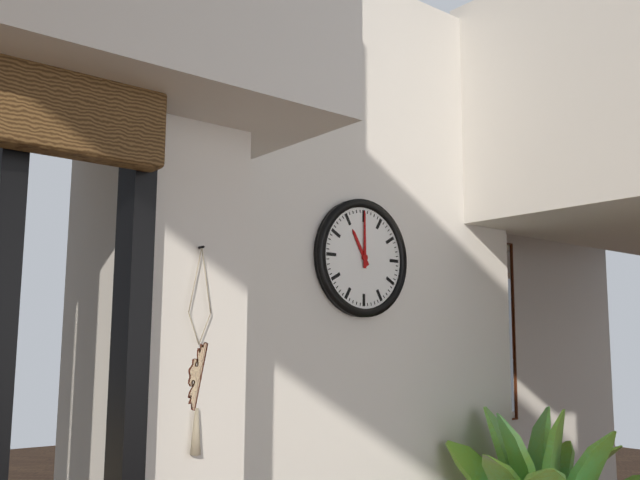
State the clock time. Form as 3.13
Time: 11.00
